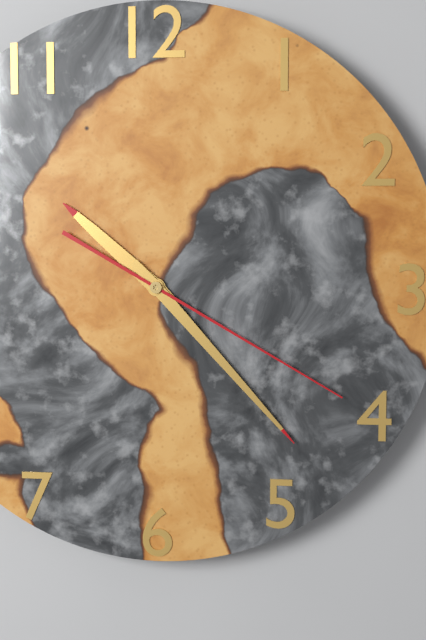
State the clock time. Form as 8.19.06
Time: 10.23.20
